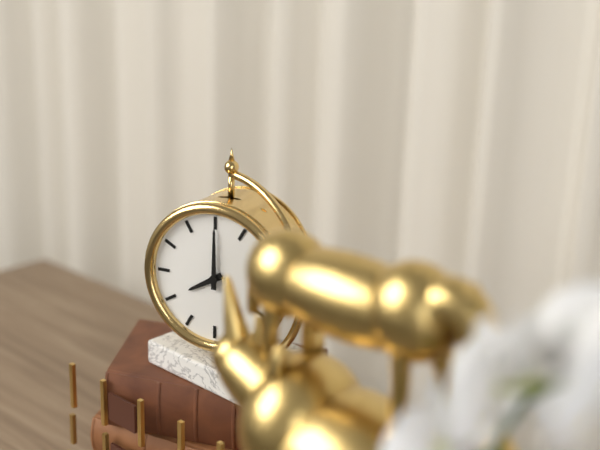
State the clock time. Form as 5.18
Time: 8.00
